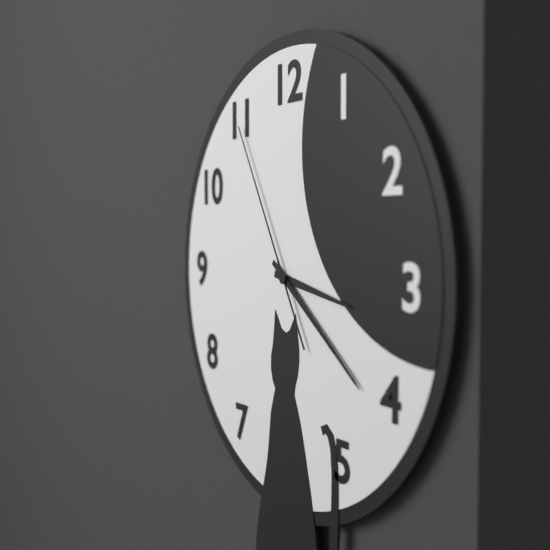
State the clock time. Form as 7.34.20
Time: 3.21.55
